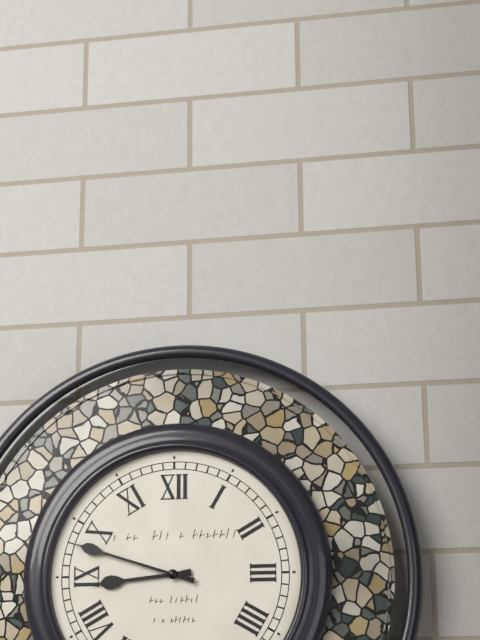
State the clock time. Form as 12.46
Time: 8.48
